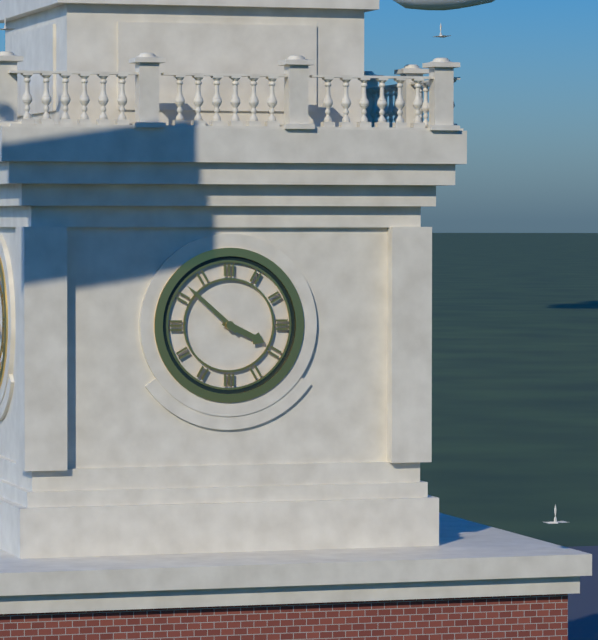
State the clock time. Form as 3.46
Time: 3.52
